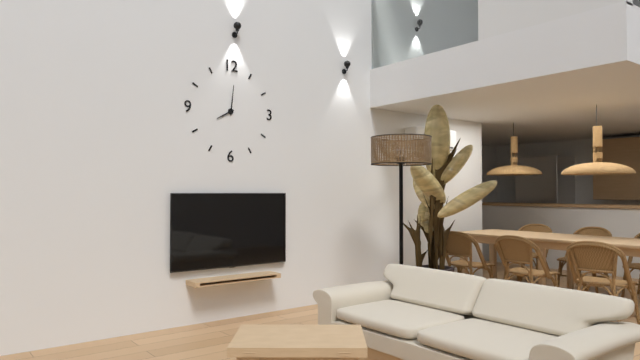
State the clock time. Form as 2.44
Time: 8.01
